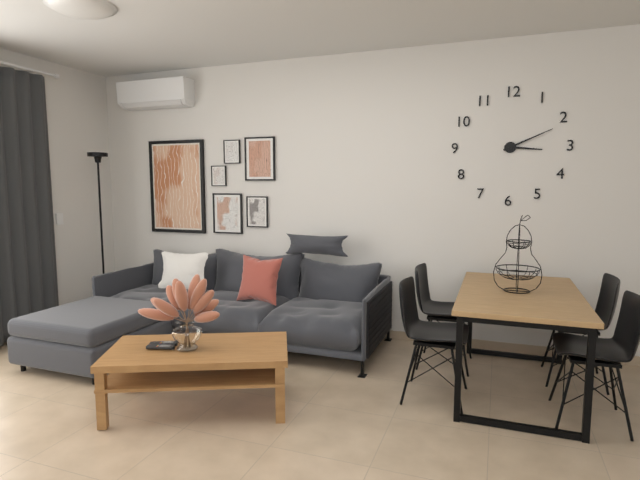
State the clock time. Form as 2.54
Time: 3.11
